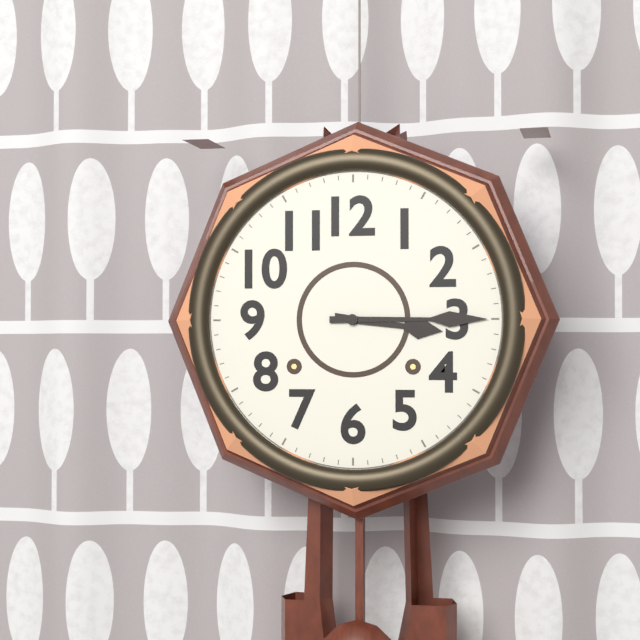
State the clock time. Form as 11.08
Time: 3.15
